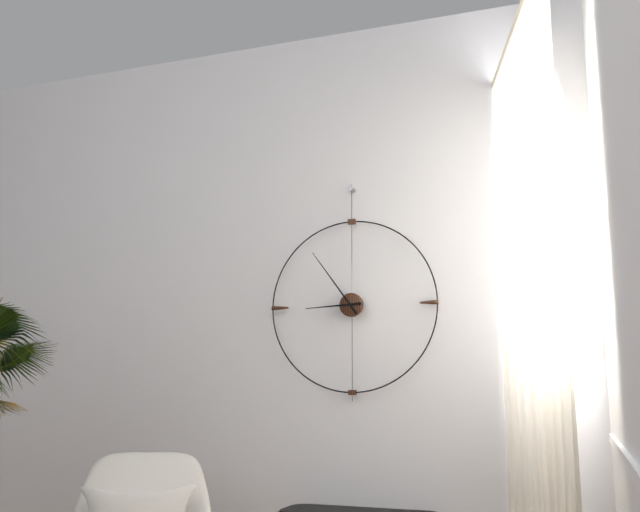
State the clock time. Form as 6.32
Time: 8.54
